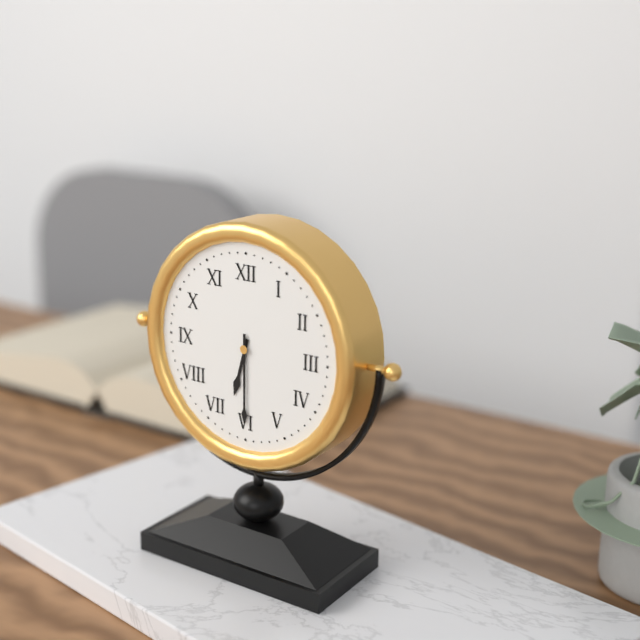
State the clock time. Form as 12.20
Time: 6.30
